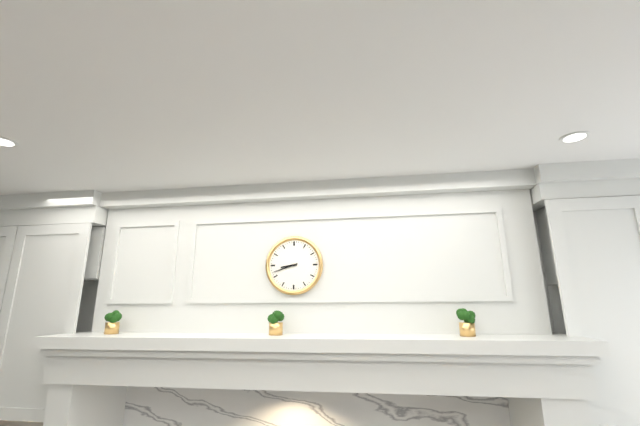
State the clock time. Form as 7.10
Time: 8.42
